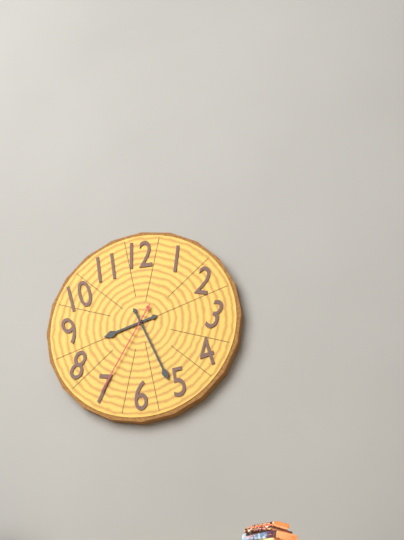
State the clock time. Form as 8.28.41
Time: 8.26.35
